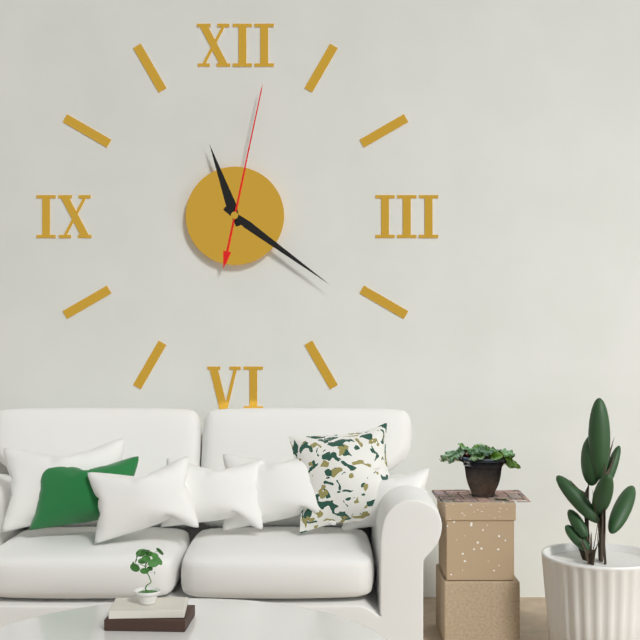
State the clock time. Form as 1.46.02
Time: 11.21.02
